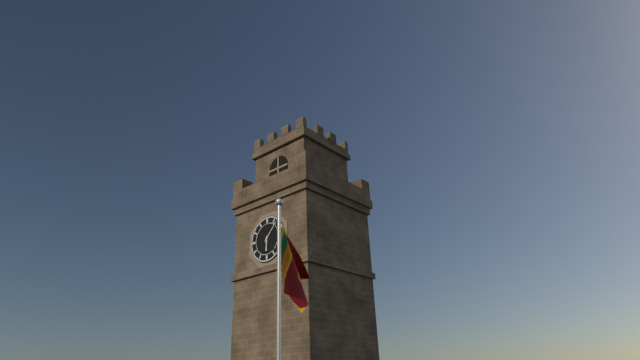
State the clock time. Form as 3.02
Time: 6.07
